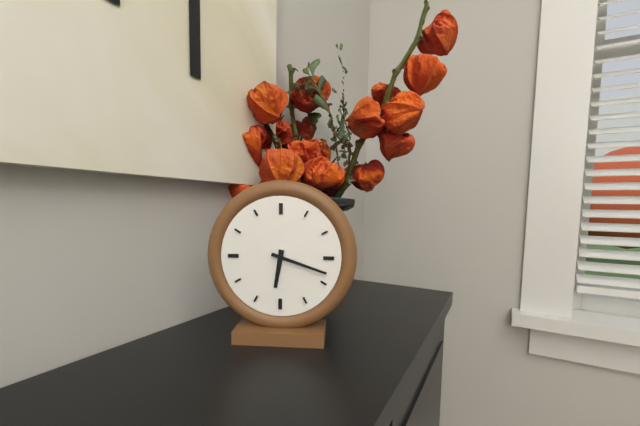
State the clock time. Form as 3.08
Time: 6.18
